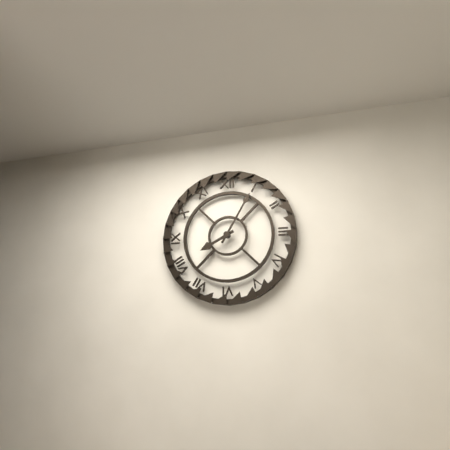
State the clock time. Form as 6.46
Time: 8.05
